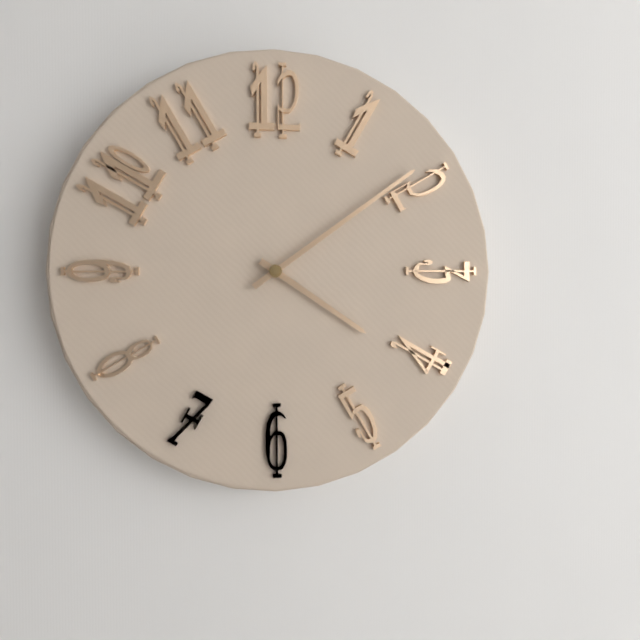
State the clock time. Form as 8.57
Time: 4.09
